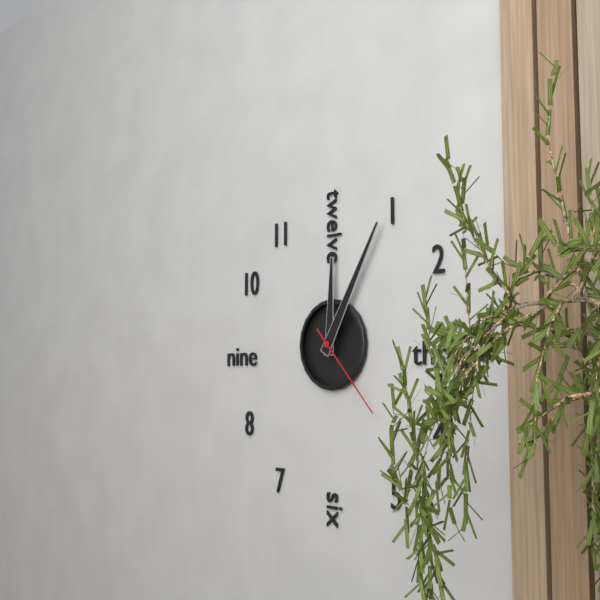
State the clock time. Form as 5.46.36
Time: 12.05.23
